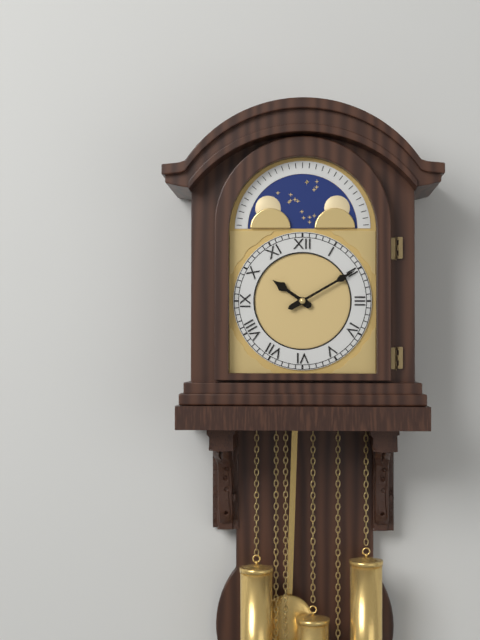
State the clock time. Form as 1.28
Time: 10.10
